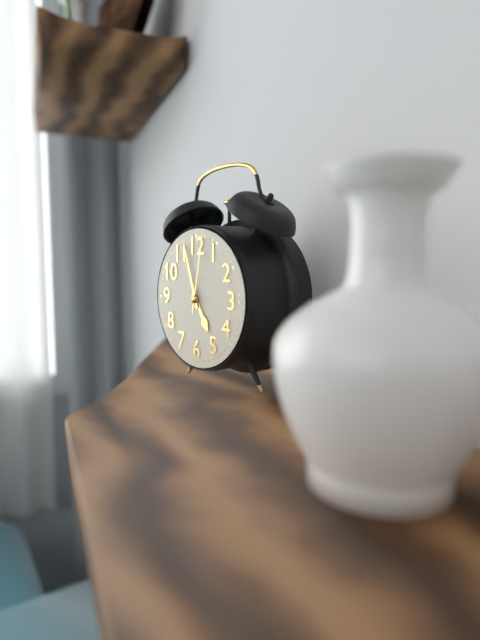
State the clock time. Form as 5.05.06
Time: 4.57.02
